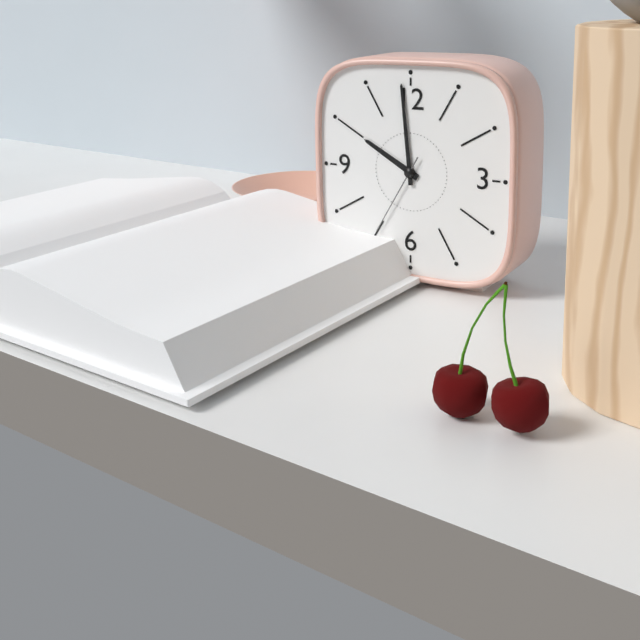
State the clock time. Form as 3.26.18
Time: 9.59.35
